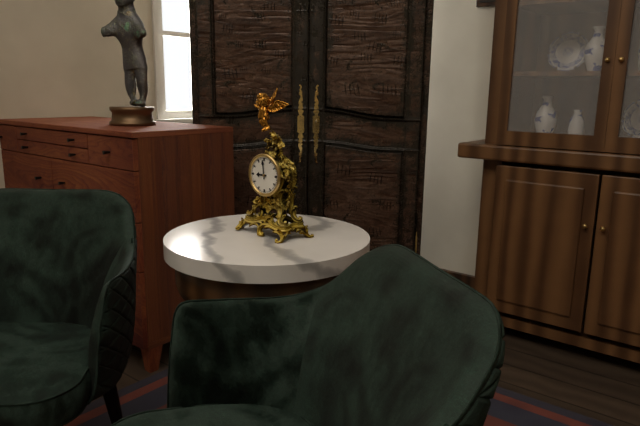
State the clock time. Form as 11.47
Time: 8.59
